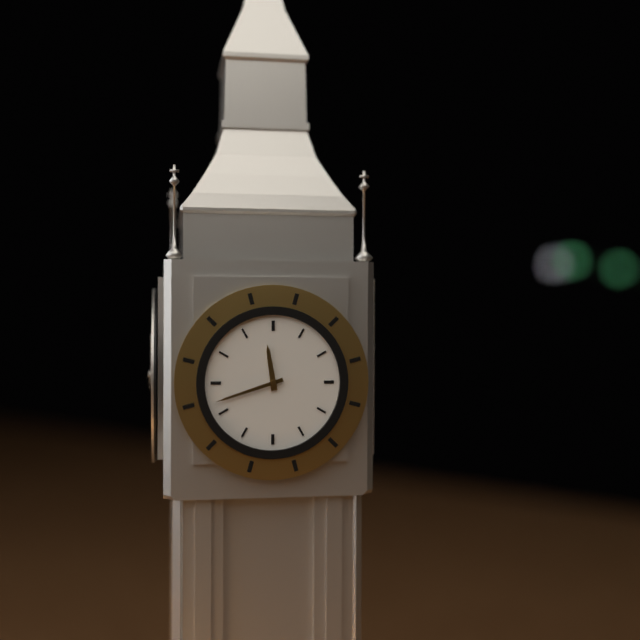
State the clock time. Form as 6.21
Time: 11.42
